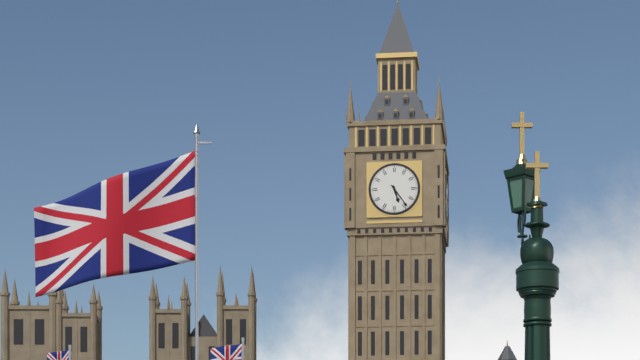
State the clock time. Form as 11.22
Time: 5.24
